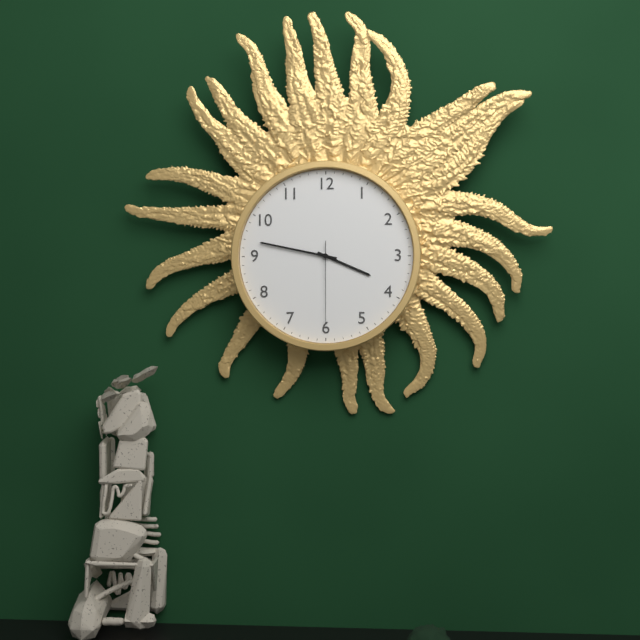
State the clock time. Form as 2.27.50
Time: 3.47.30
